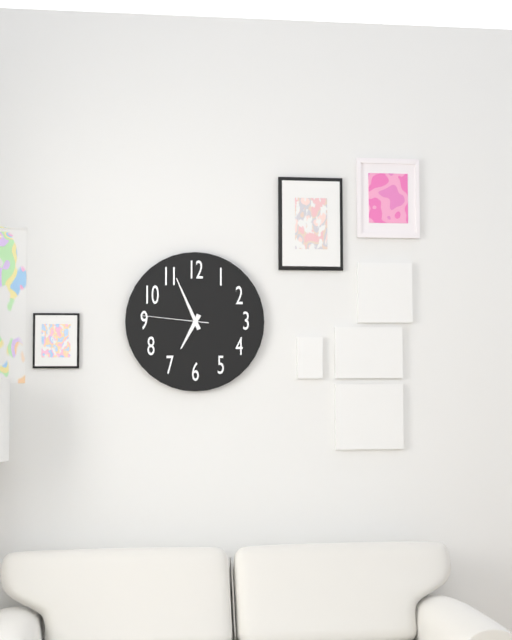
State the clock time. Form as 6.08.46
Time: 6.56.46
